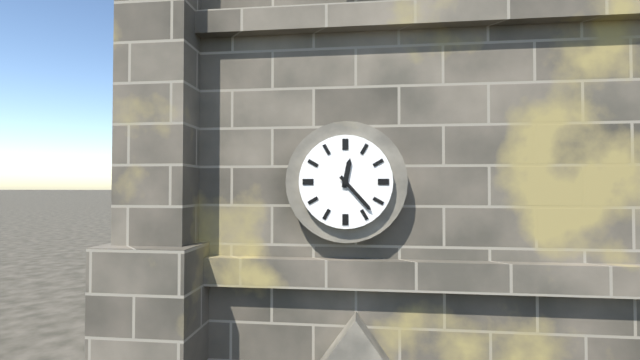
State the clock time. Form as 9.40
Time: 12.23
